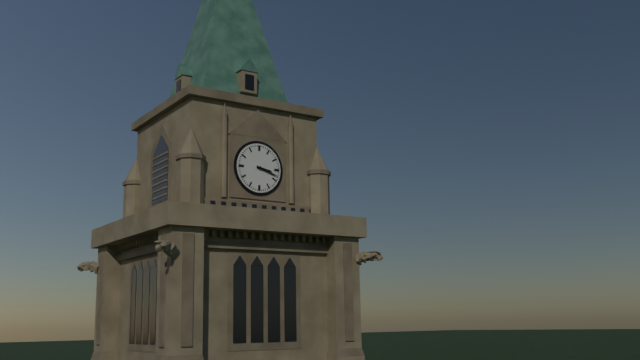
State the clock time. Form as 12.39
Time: 3.18
